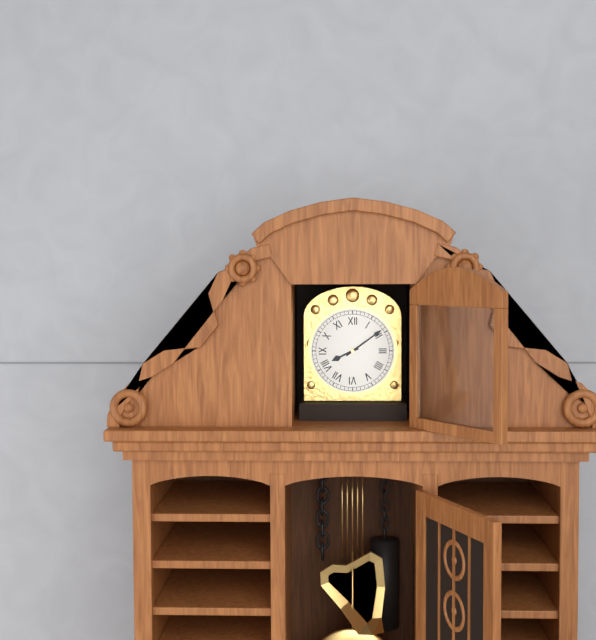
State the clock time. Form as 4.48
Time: 8.09
